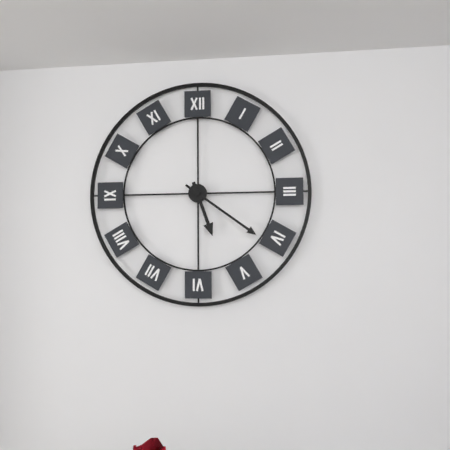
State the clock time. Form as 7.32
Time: 5.21
